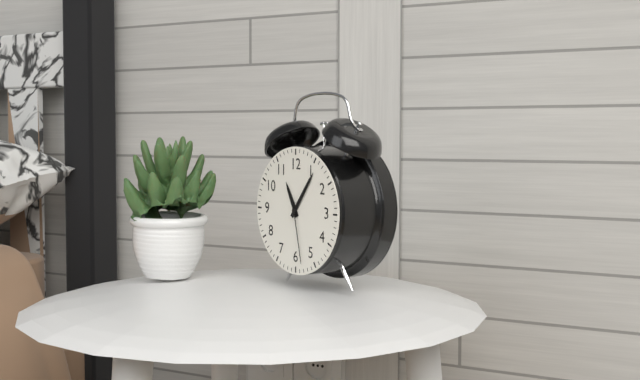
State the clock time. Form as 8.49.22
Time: 11.06.28
